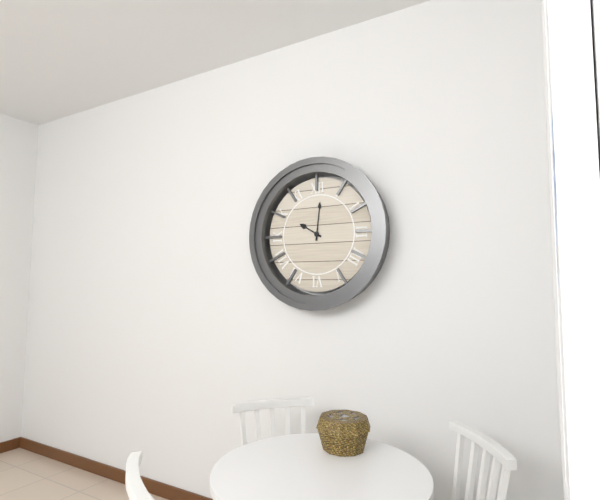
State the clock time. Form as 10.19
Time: 10.01
